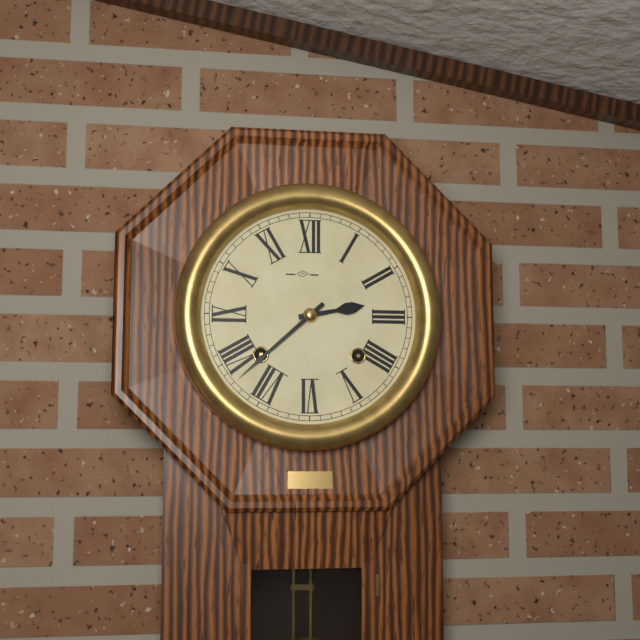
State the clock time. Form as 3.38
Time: 2.38
